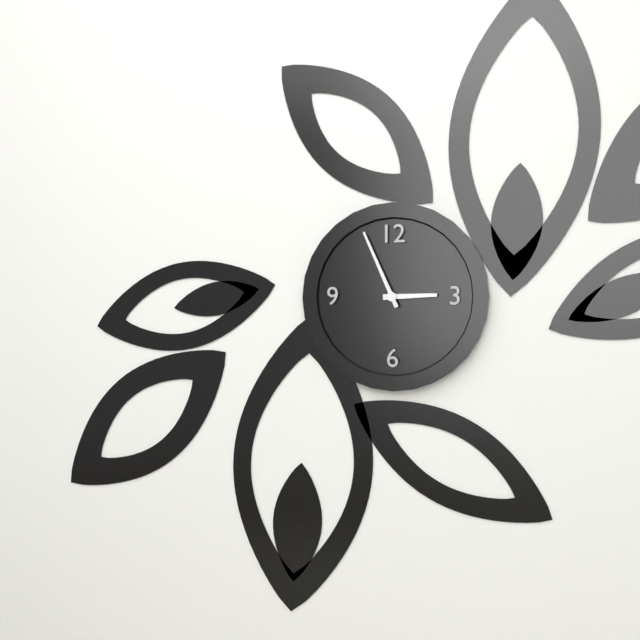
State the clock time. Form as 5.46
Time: 2.56
